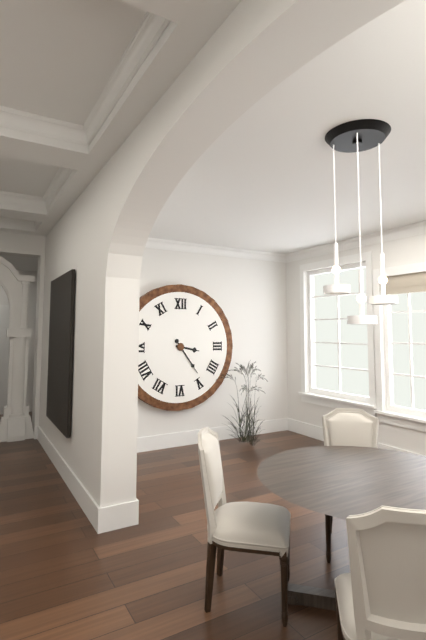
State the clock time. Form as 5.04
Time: 3.24
